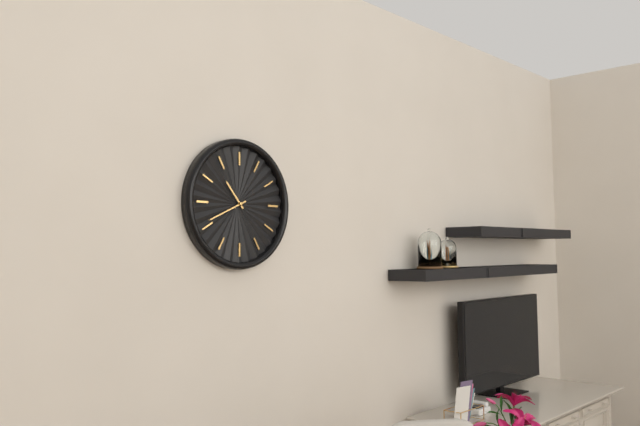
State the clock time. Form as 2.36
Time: 10.41
